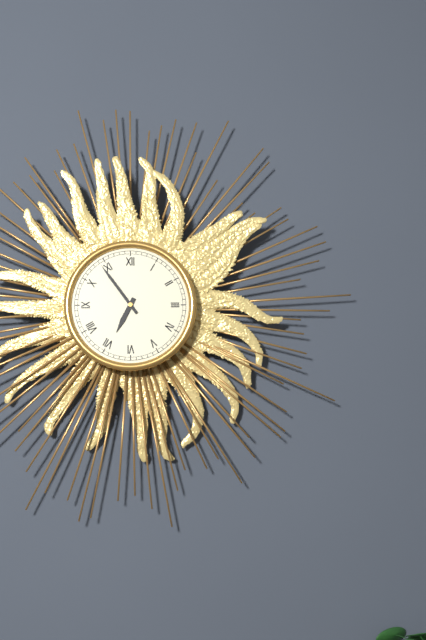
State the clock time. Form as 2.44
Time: 6.54
